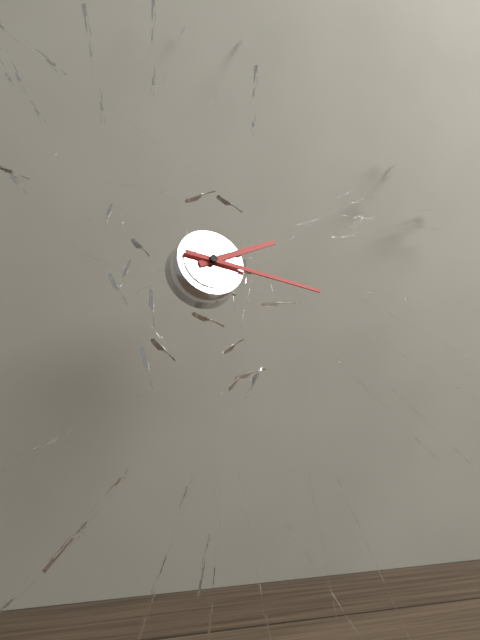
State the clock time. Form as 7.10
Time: 2.17
